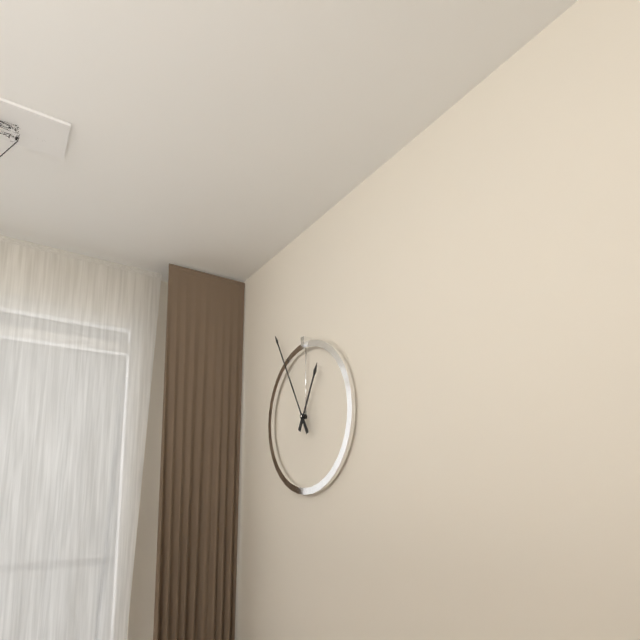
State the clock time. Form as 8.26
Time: 12.55
